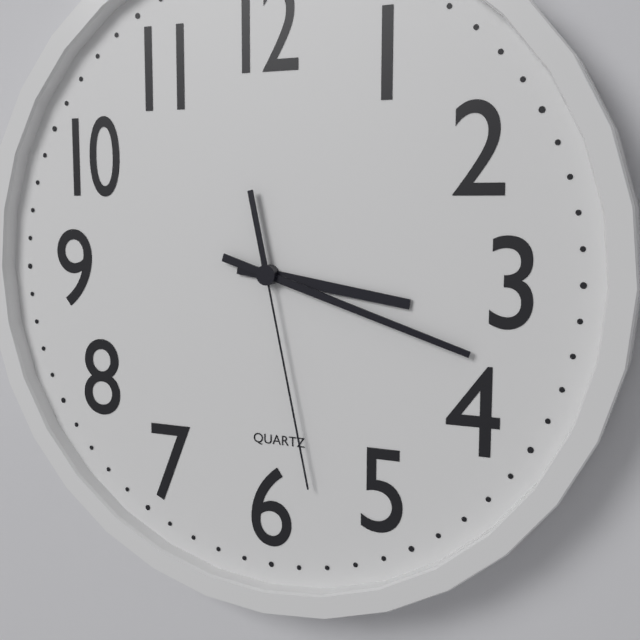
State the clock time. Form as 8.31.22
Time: 3.18.28
